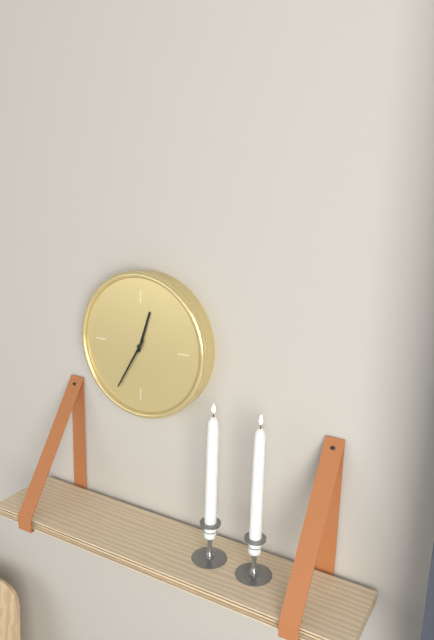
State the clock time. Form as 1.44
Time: 12.35
